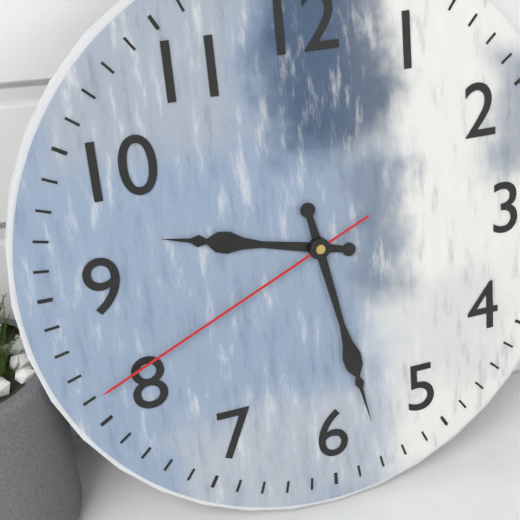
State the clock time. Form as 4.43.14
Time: 9.28.41
